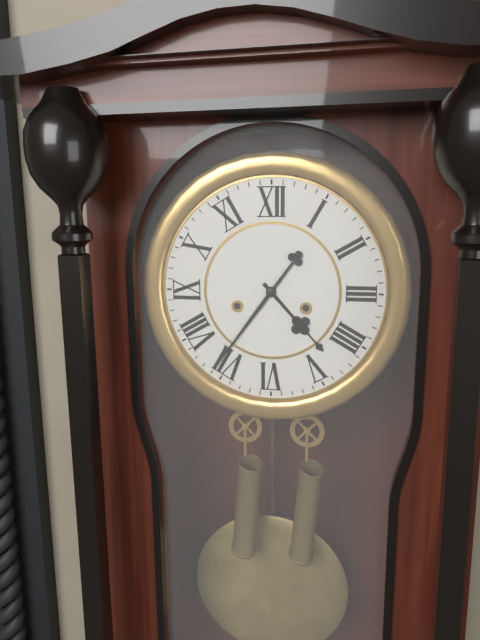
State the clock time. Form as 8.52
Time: 4.36
